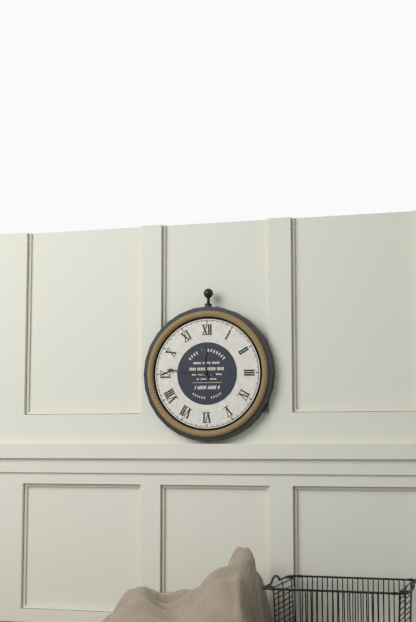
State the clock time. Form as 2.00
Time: 11.46
